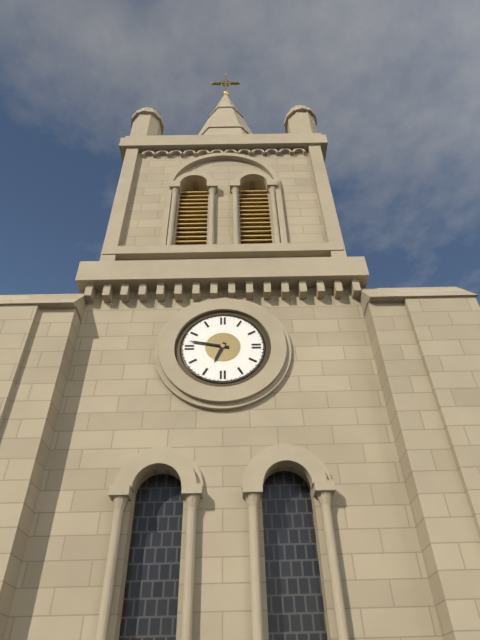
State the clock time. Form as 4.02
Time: 6.47
